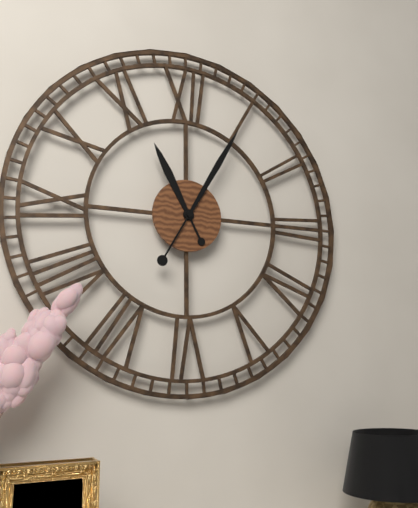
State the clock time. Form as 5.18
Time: 11.05
